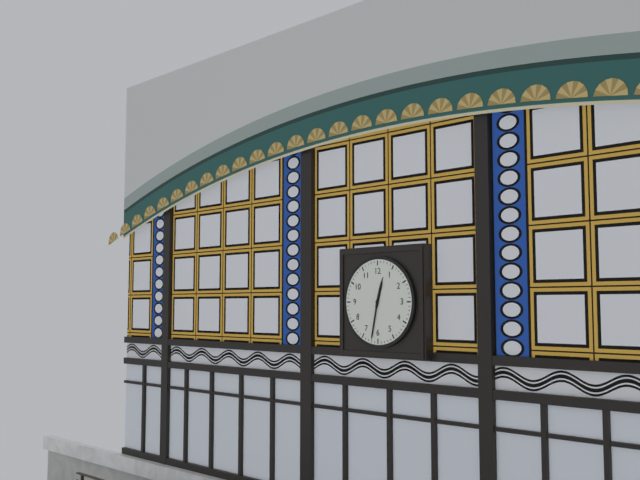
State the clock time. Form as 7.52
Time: 12.32
